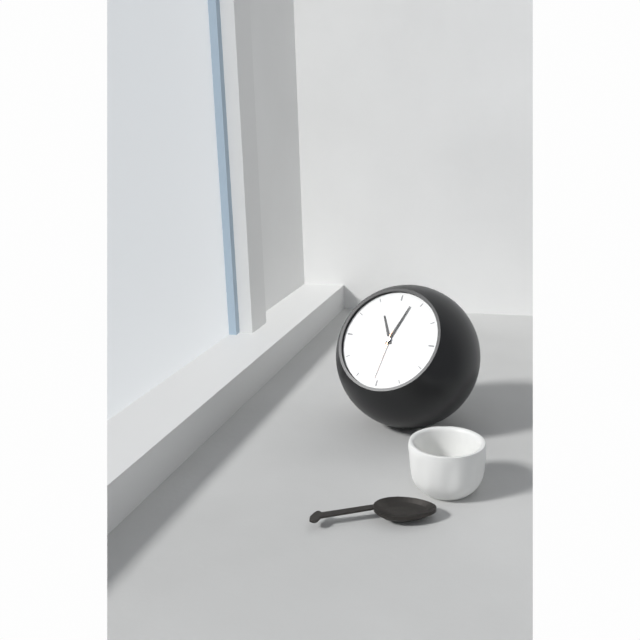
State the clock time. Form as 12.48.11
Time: 11.03.31
